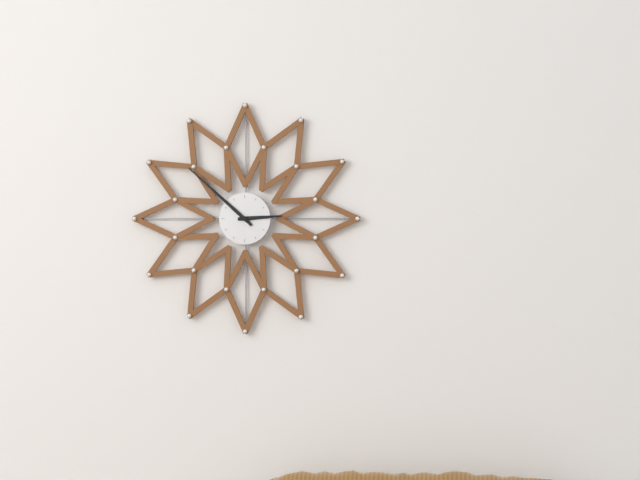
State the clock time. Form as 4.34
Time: 2.52
